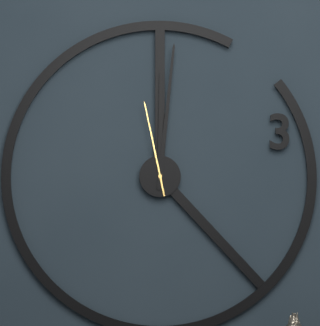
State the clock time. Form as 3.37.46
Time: 12.01.58
